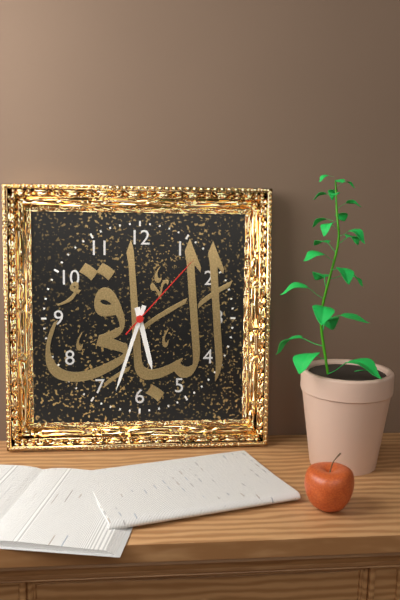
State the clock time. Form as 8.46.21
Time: 5.33.07
